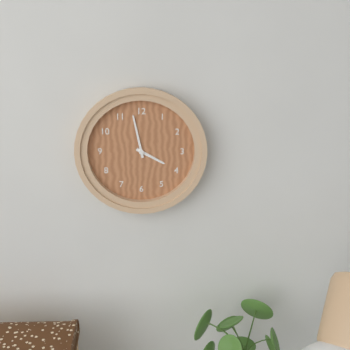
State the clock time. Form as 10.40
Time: 3.58
